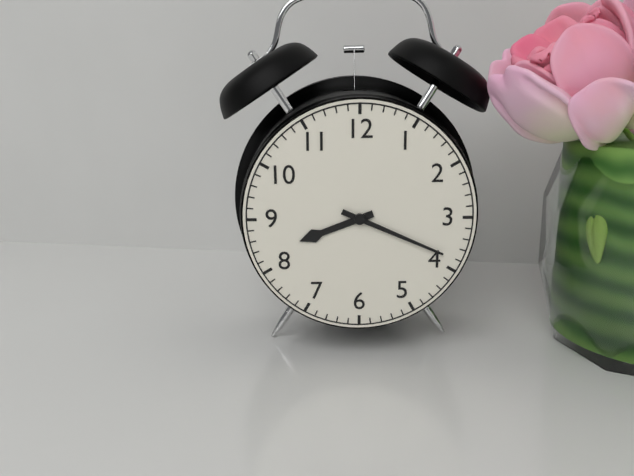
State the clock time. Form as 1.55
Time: 8.19
